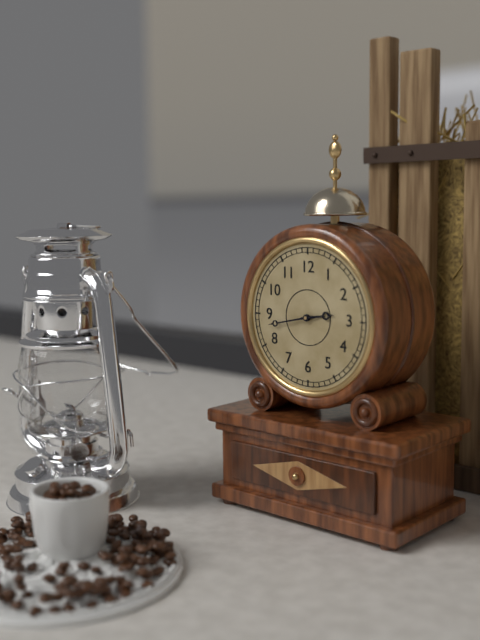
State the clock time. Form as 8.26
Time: 2.43
